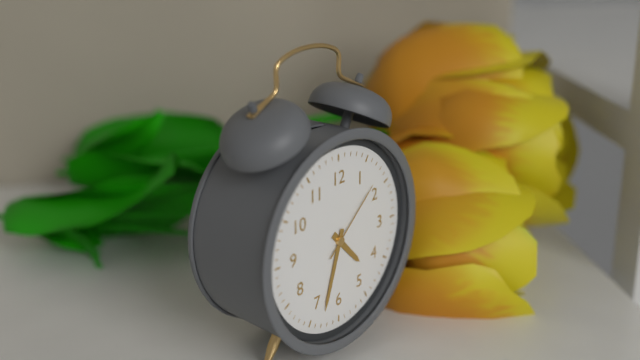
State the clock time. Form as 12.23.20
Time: 4.33.08
